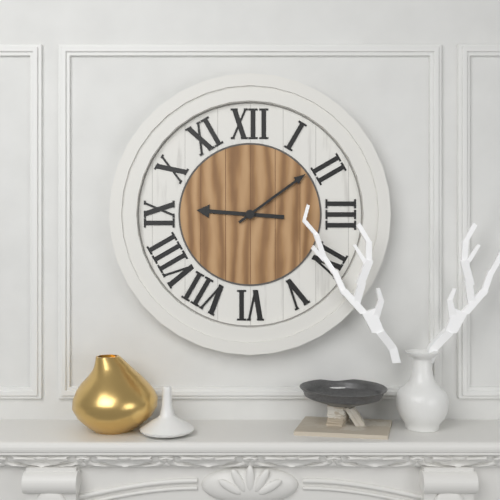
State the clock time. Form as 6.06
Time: 9.09
